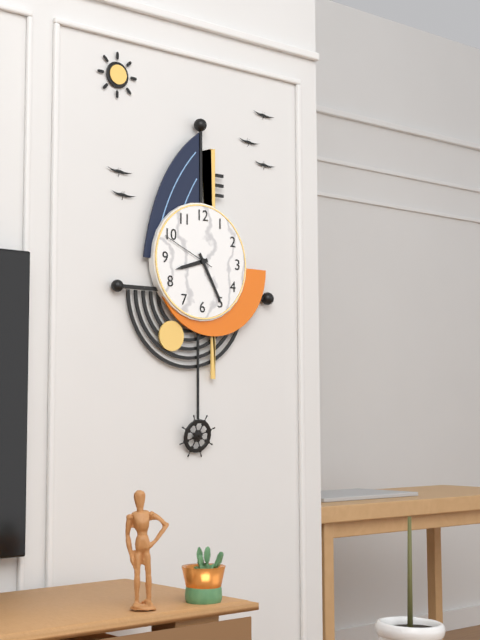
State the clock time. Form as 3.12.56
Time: 8.25.49
